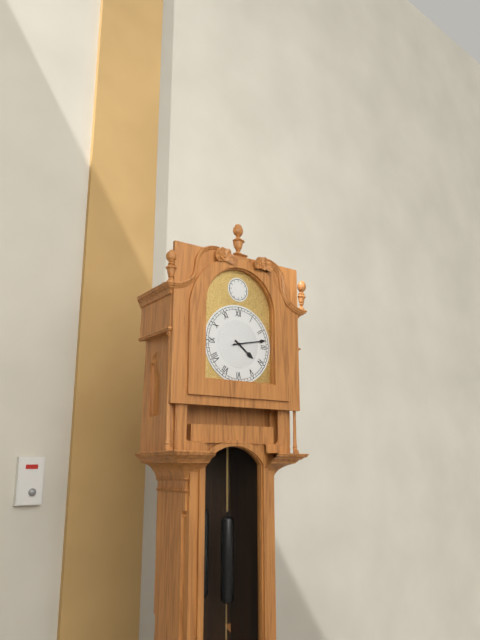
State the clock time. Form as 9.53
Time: 4.13
